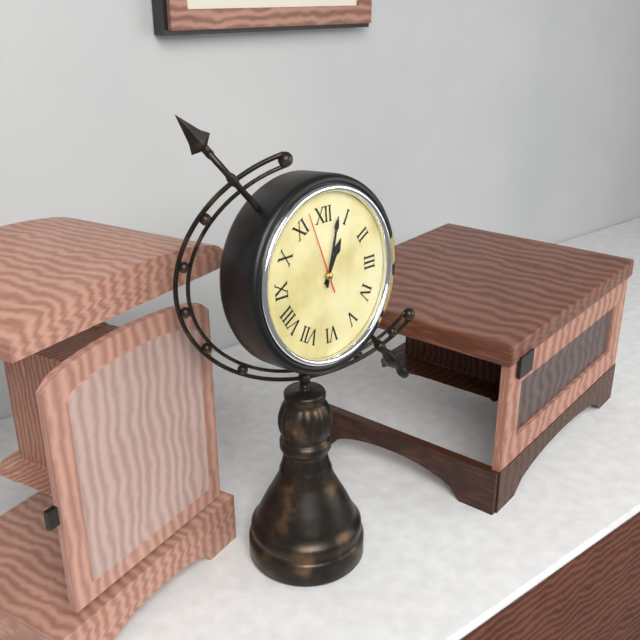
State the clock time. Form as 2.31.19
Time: 1.03.57
